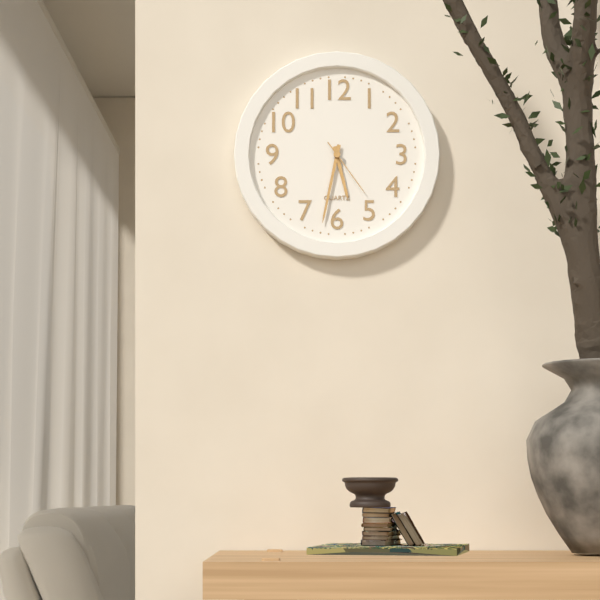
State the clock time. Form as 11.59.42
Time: 5.32.24
